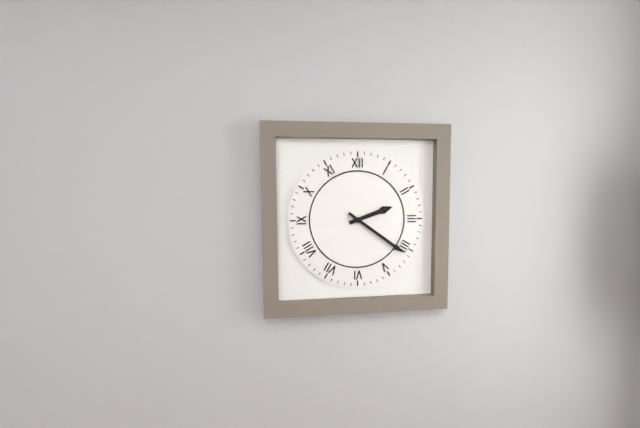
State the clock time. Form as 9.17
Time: 2.21
